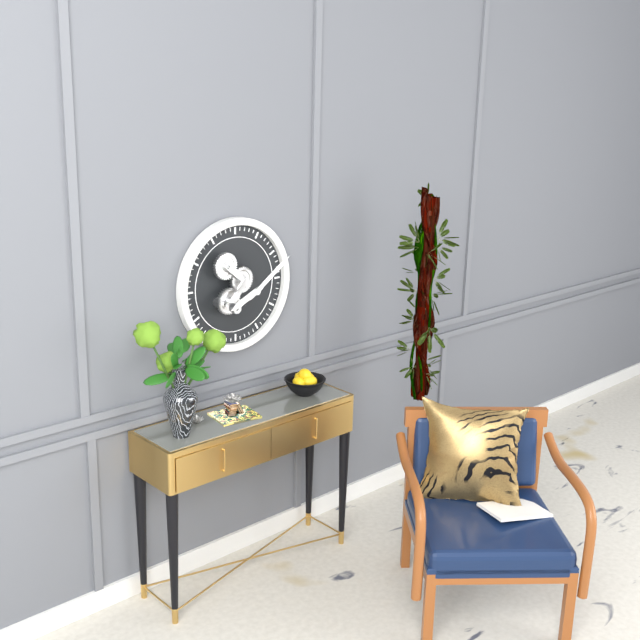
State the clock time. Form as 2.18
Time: 8.09
